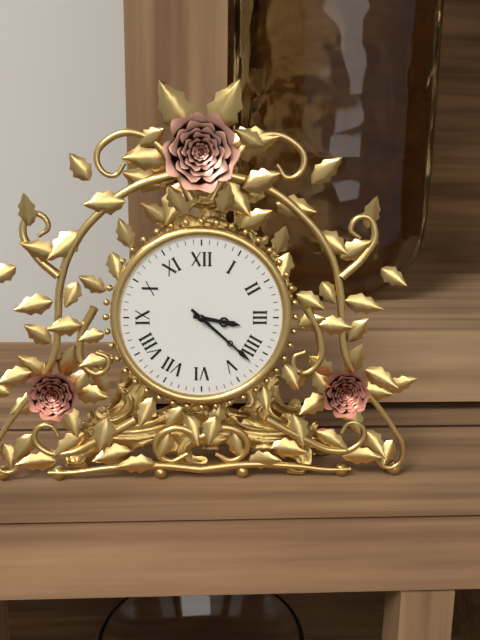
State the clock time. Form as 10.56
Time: 3.22
